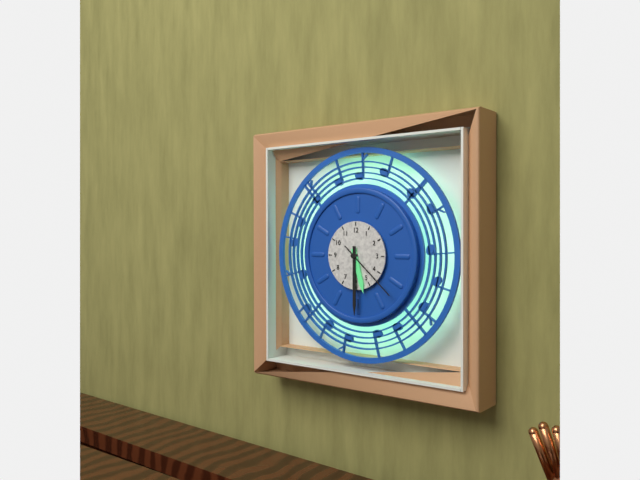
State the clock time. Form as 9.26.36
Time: 5.30.22
